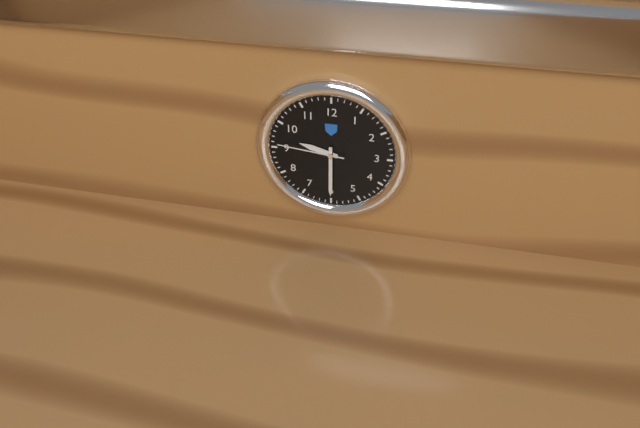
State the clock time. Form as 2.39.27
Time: 9.30.46
